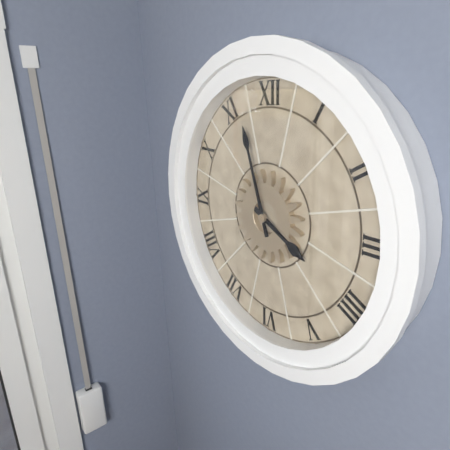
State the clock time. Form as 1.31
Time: 3.57
